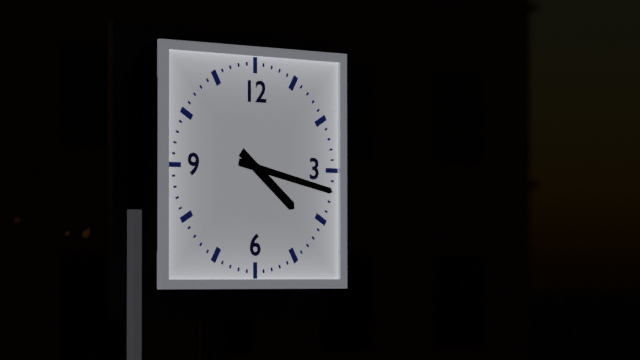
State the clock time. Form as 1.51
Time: 4.17
